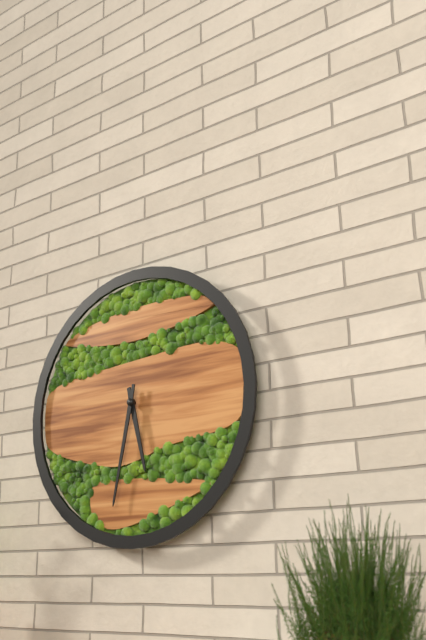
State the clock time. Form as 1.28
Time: 5.32
